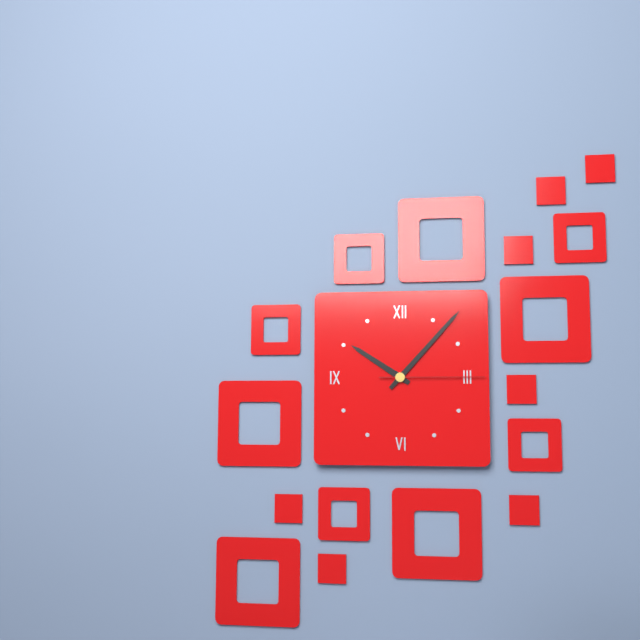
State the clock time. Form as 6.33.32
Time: 10.07.15
